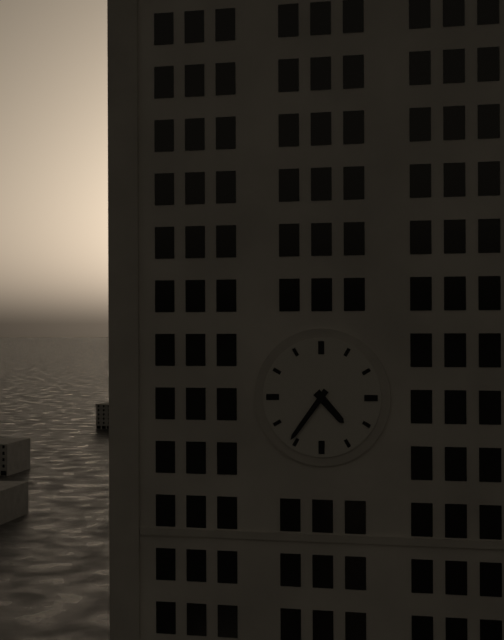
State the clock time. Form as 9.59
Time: 4.36
